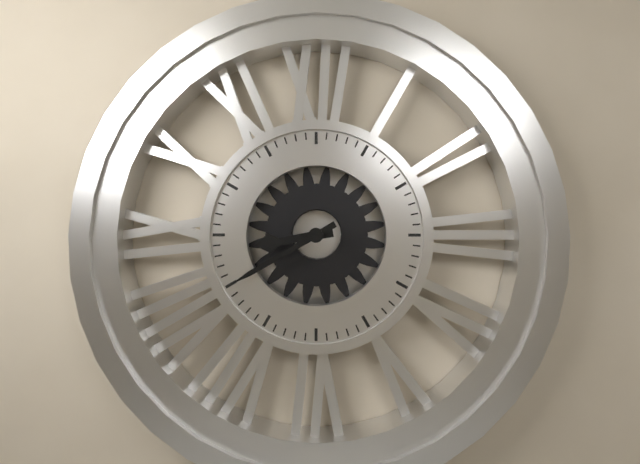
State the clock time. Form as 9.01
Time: 8.40
